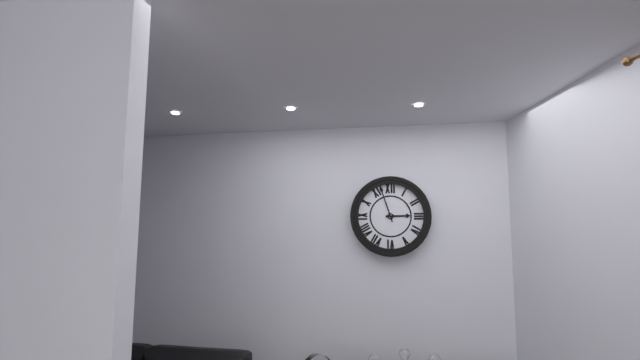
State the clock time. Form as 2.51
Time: 2.57
